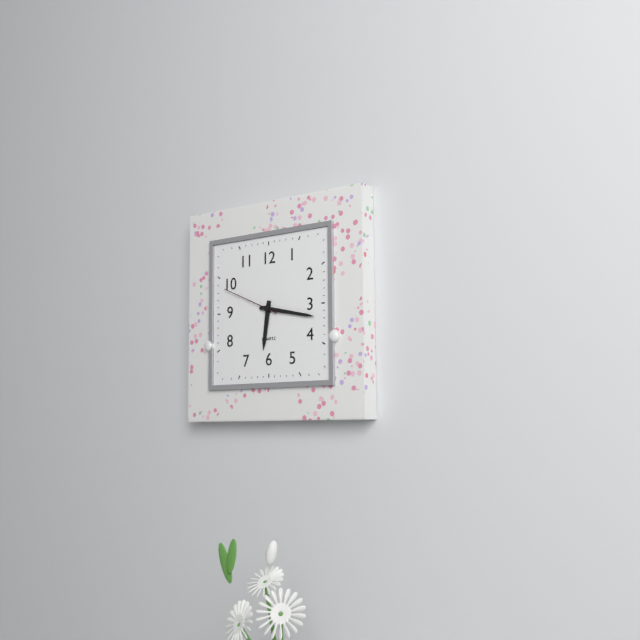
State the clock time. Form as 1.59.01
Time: 6.17.49
